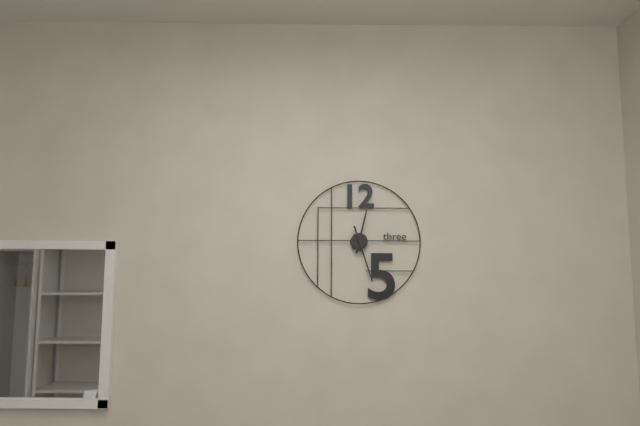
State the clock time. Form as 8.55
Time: 12.27
